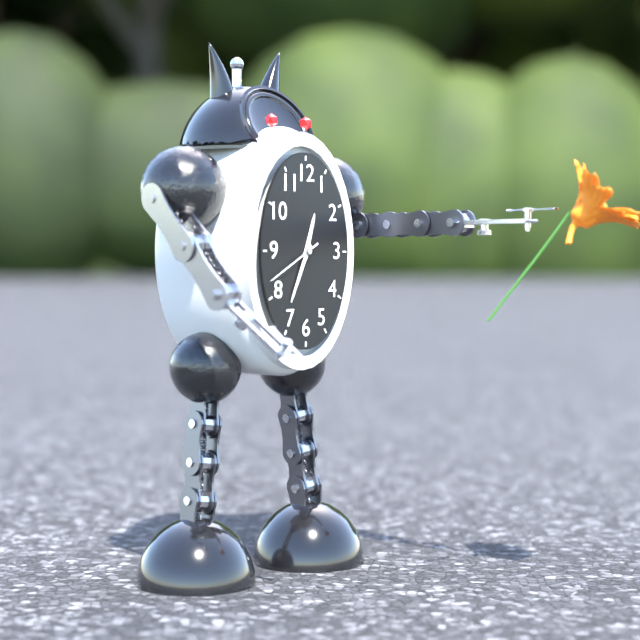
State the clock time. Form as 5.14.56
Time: 12.34.40
